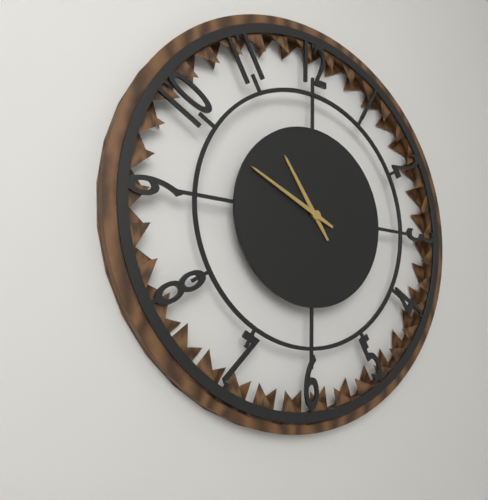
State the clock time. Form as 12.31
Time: 10.49
